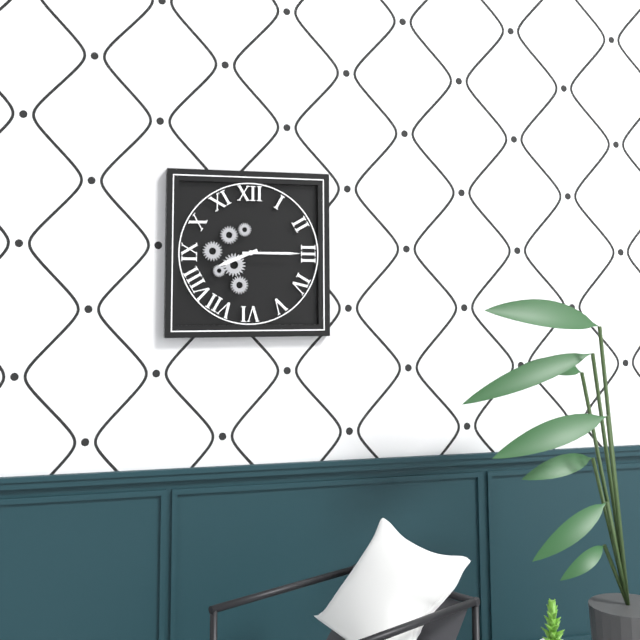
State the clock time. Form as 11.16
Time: 8.15
